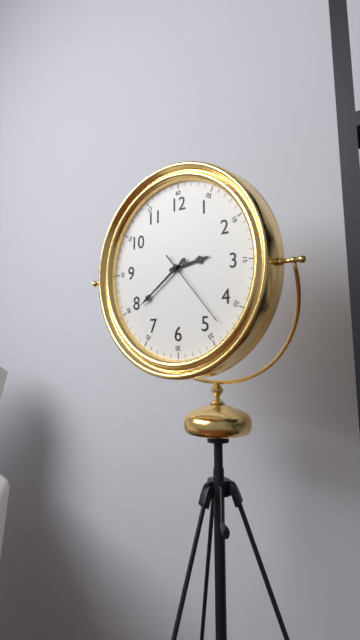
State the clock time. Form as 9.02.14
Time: 2.39.23
